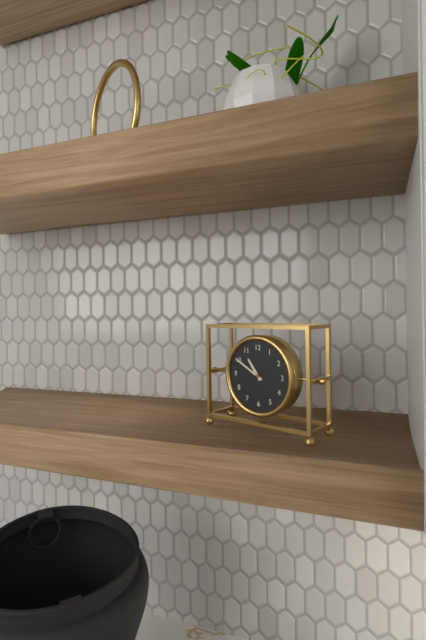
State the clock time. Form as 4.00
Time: 10.50
